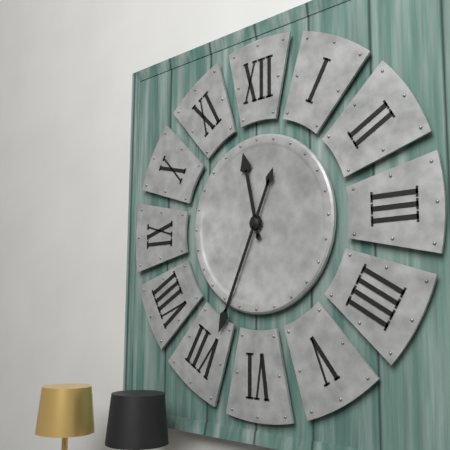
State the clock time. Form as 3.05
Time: 11.34
